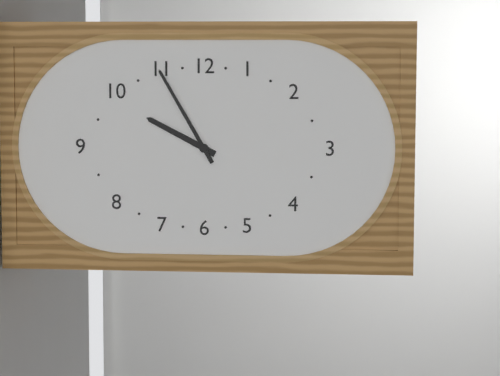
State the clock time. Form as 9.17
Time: 9.55
